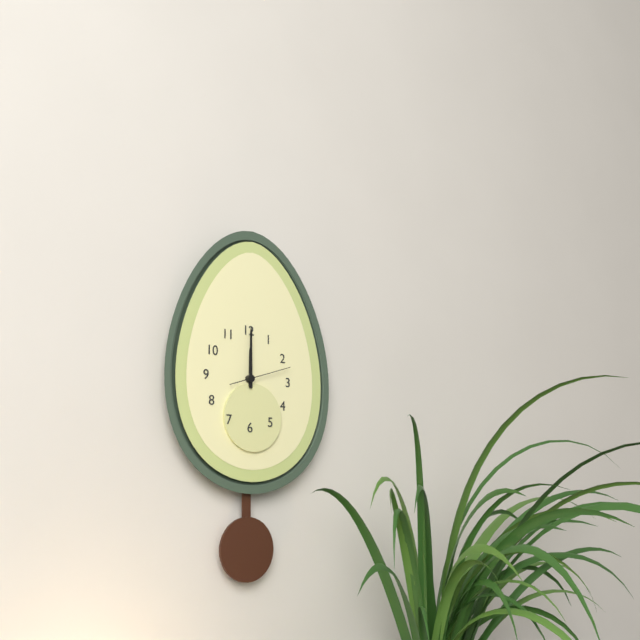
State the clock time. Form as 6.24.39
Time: 12.00.12
